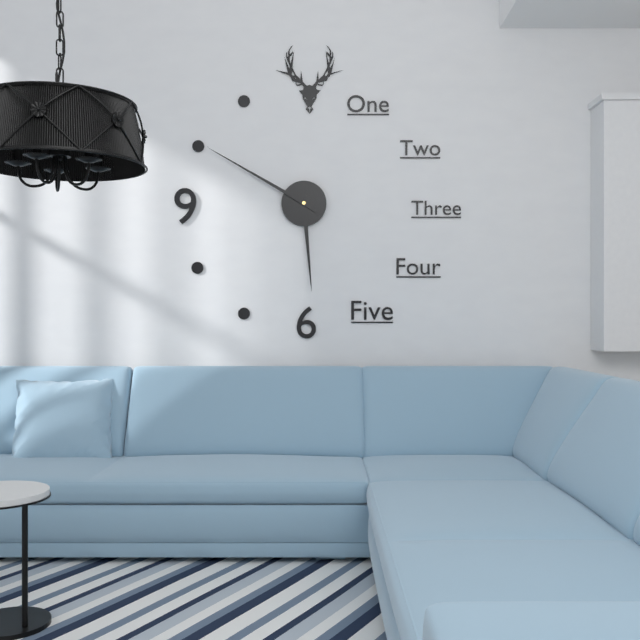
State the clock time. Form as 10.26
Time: 5.50
